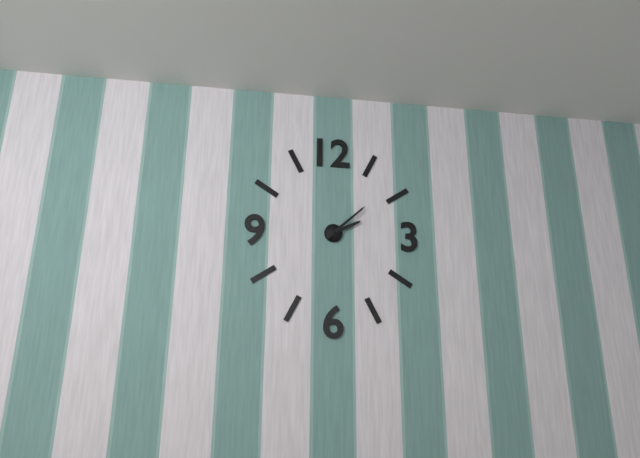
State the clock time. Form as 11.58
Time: 2.08
